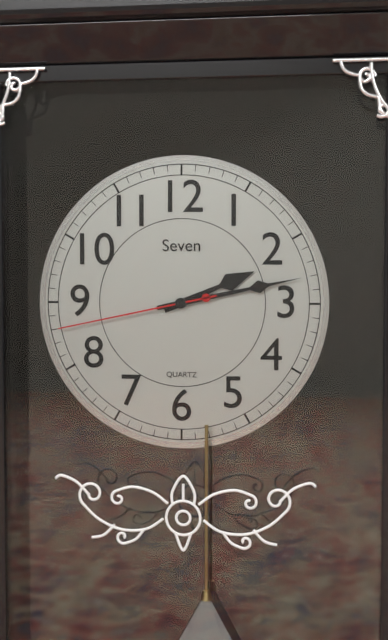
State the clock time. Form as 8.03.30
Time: 2.13.43
